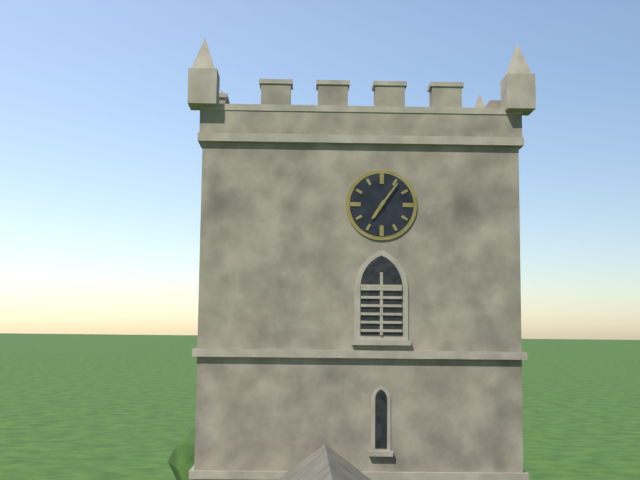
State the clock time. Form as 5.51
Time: 7.06
